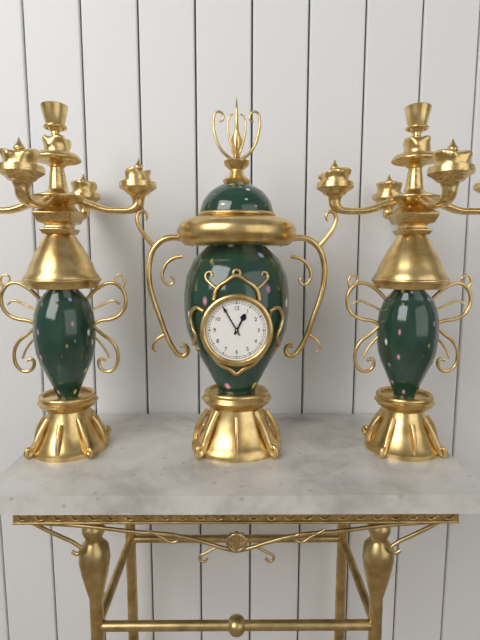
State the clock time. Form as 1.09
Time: 12.55
